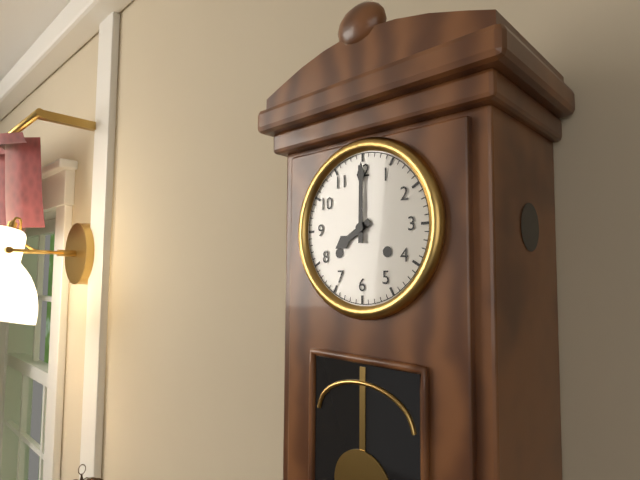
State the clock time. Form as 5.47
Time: 8.00
